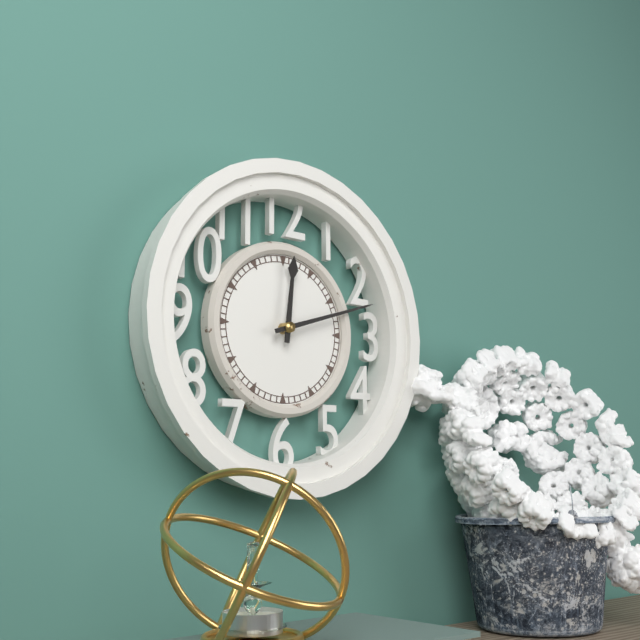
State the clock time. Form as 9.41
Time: 12.12
